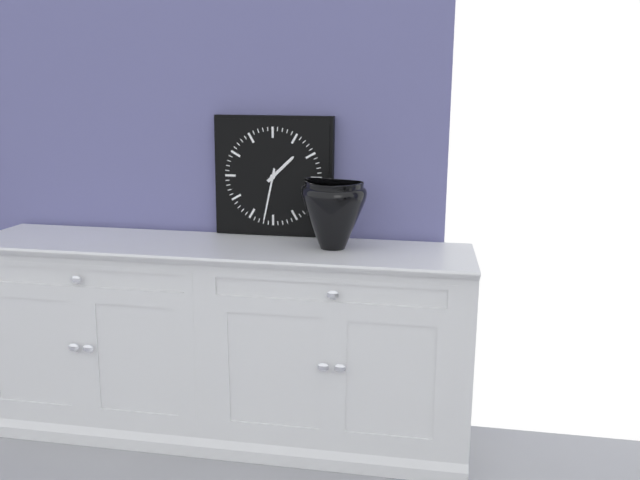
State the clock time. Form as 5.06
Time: 1.32
